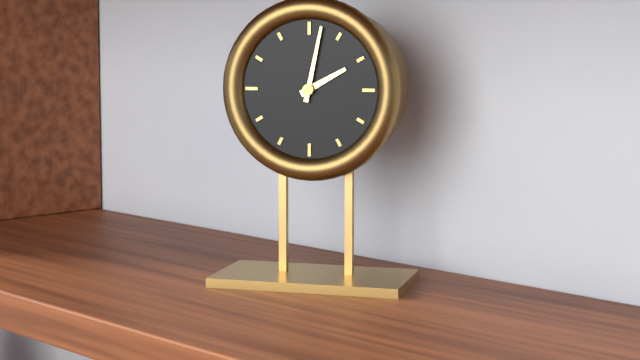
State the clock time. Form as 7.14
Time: 2.02
